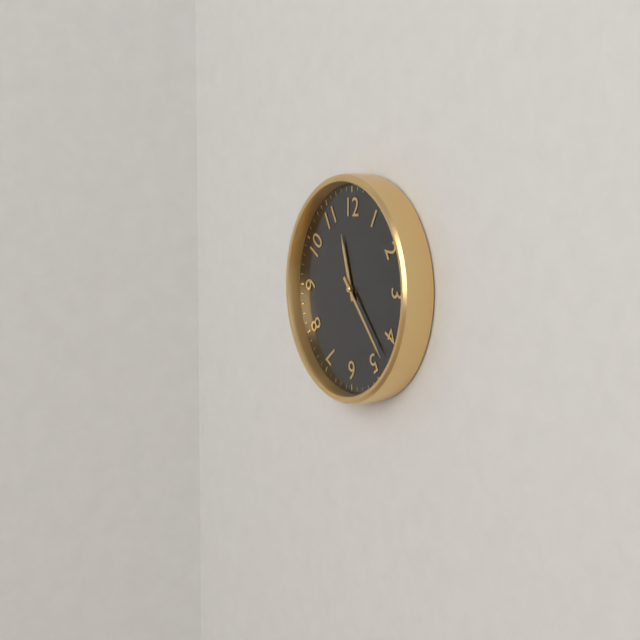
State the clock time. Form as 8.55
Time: 11.23
